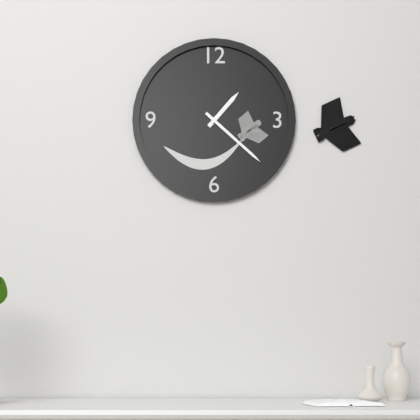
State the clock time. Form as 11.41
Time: 1.22
